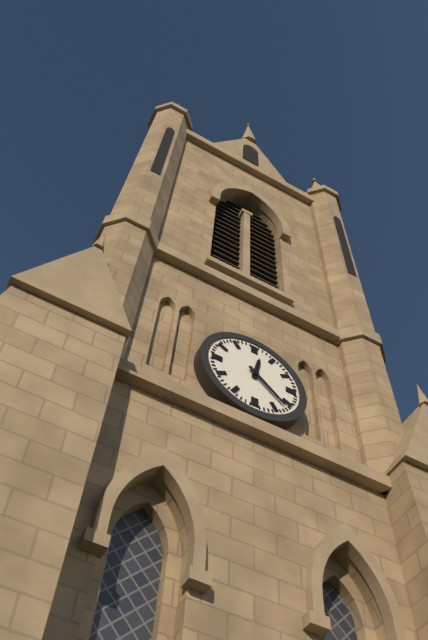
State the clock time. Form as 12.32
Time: 12.22
